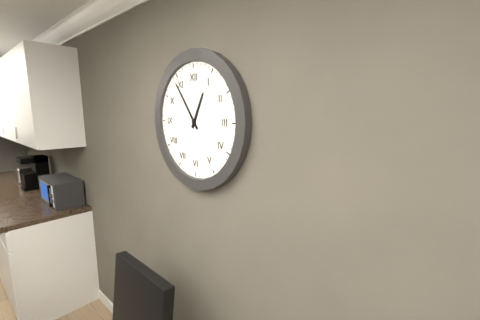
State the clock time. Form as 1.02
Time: 12.54
